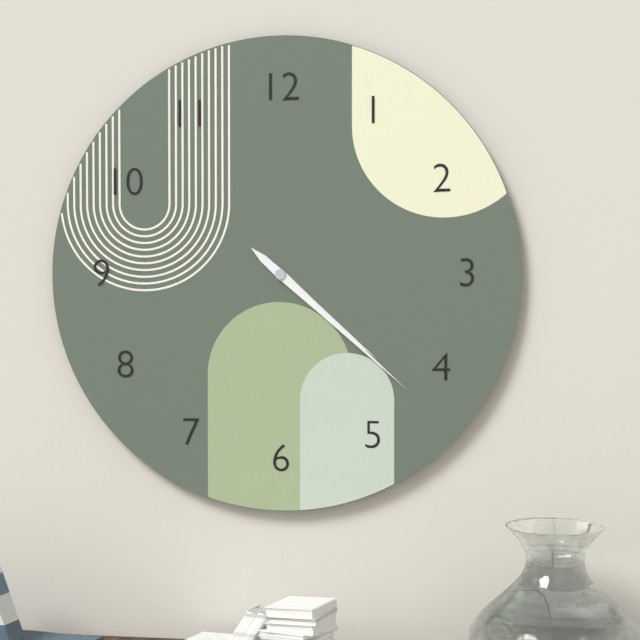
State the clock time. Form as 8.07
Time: 4.22
